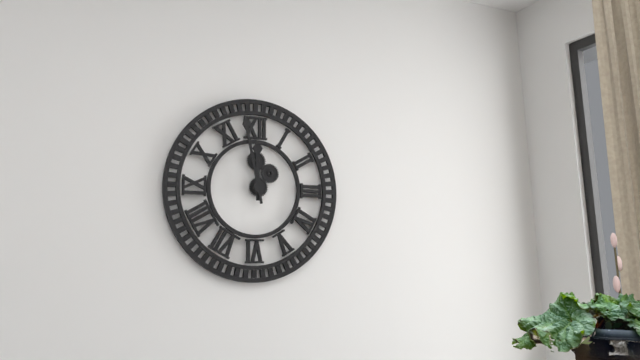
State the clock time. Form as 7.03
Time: 11.58
